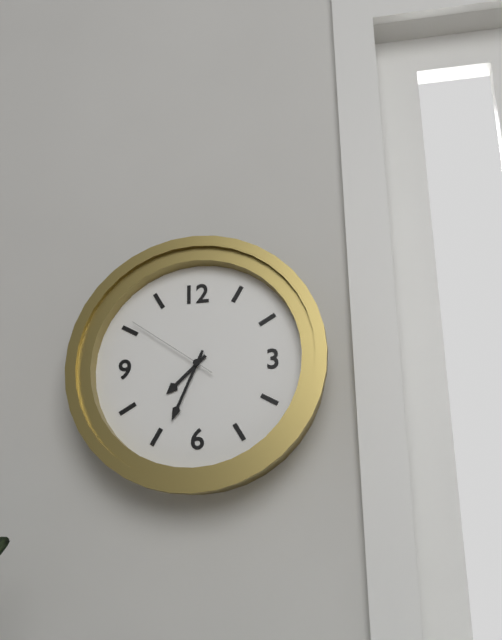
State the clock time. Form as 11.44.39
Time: 7.34.51
